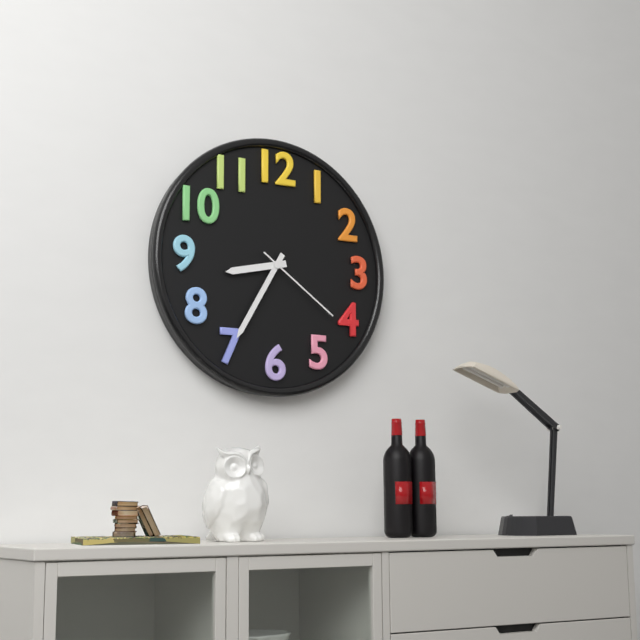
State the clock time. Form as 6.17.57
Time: 8.35.21
